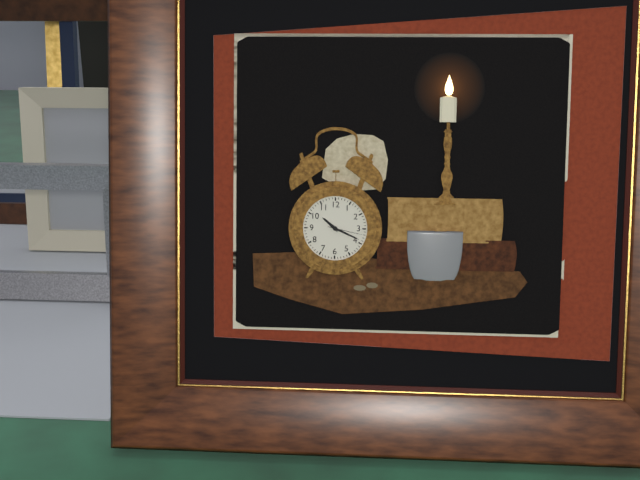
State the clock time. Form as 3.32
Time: 10.19
